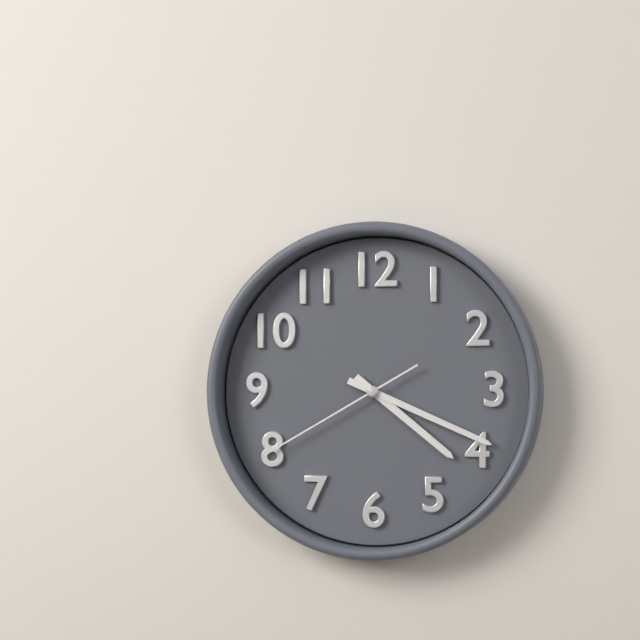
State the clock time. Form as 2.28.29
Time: 4.19.40
